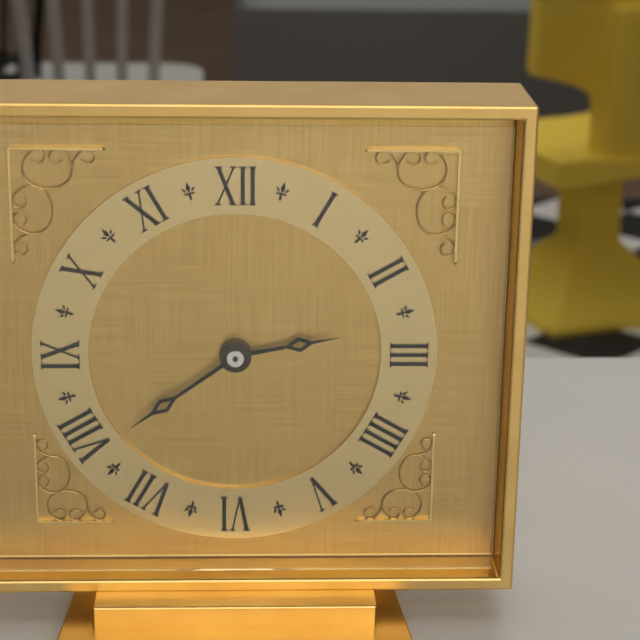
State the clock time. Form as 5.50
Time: 2.39
